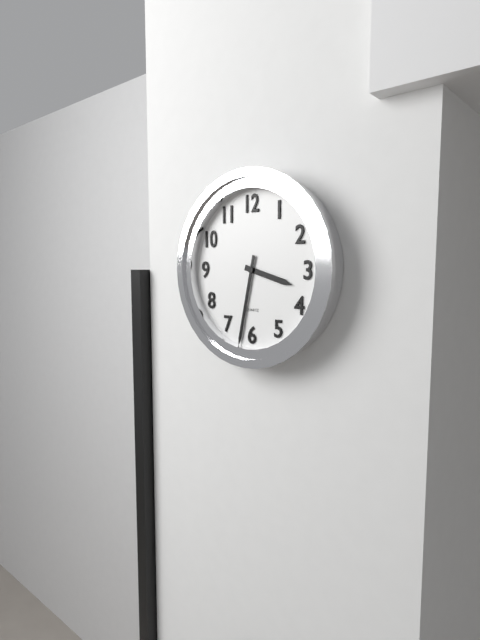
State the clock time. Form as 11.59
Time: 3.32
